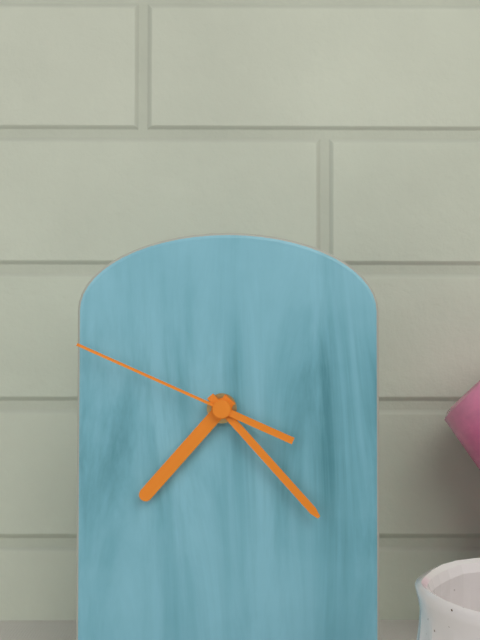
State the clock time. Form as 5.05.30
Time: 7.23.49
